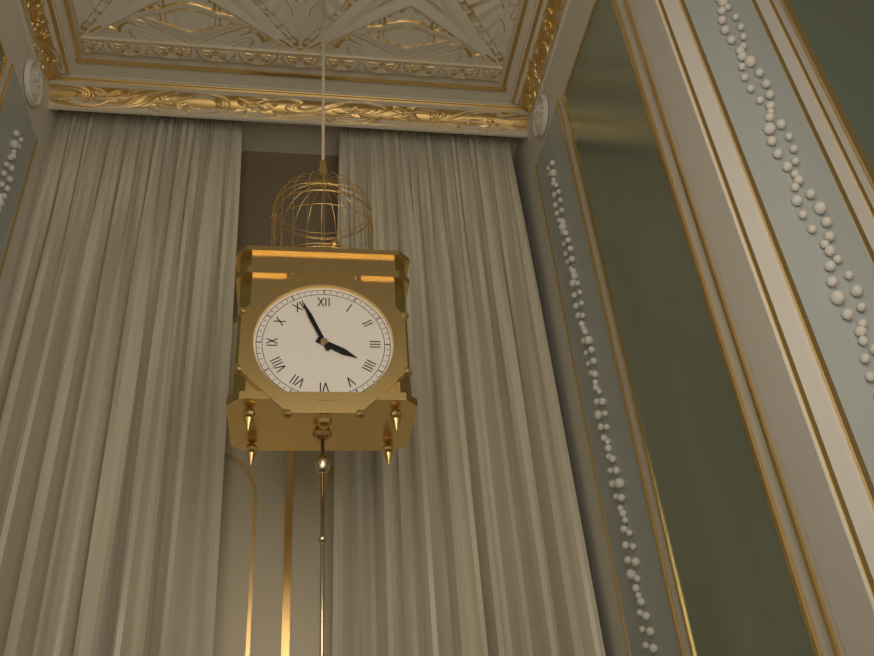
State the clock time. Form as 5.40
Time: 3.56
